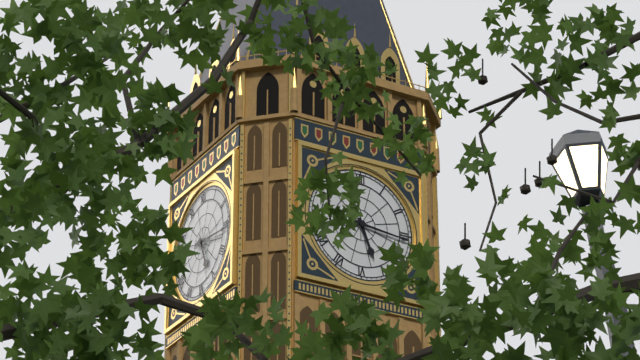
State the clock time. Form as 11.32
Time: 5.16
